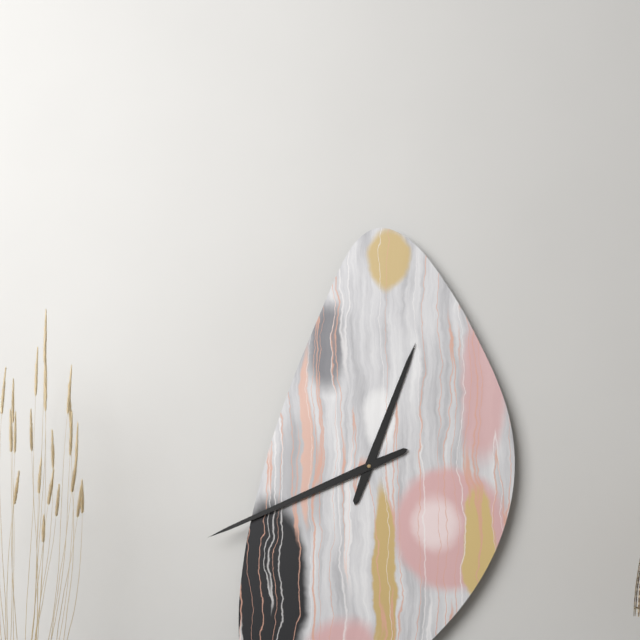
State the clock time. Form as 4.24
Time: 12.41
